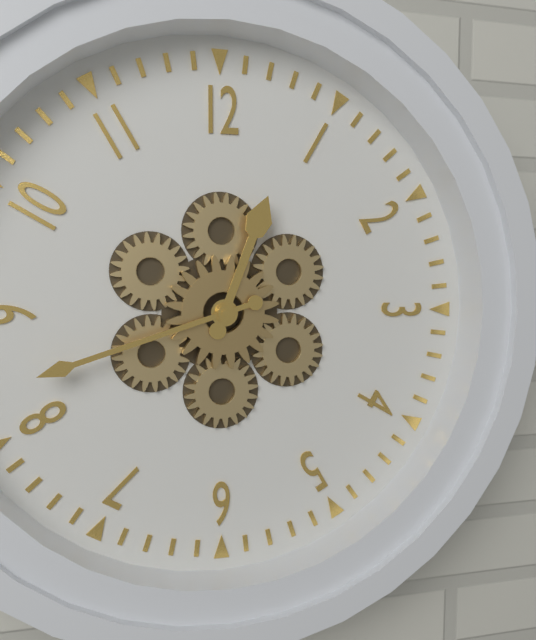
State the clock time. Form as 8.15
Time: 12.42
